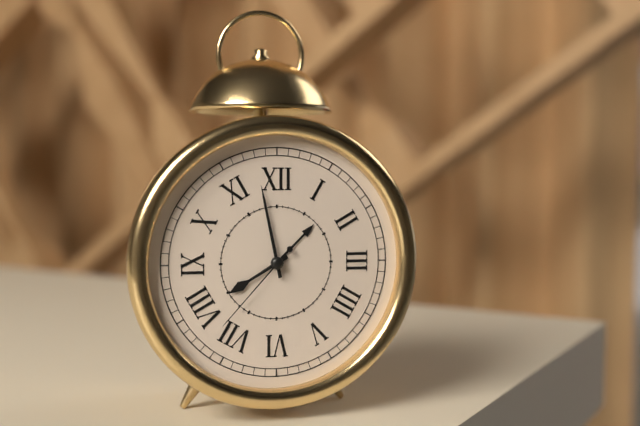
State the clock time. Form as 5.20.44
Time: 7.58.37
